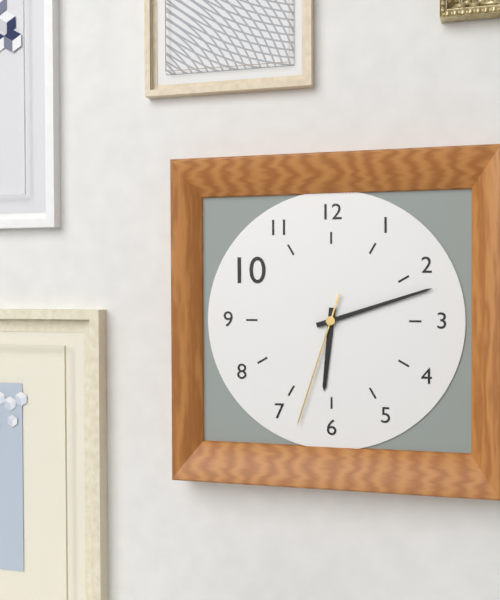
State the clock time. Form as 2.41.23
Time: 6.12.33
